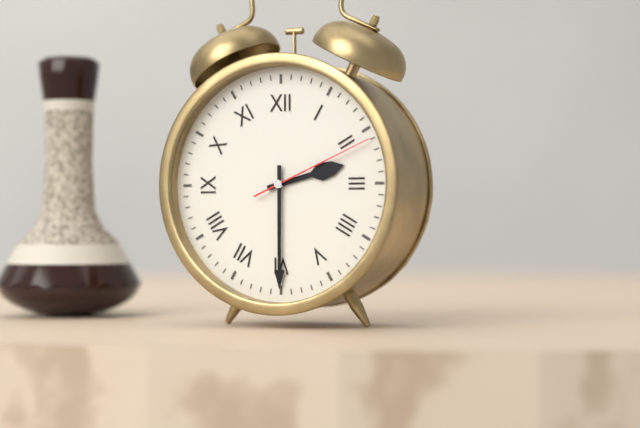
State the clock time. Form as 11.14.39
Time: 2.30.11
